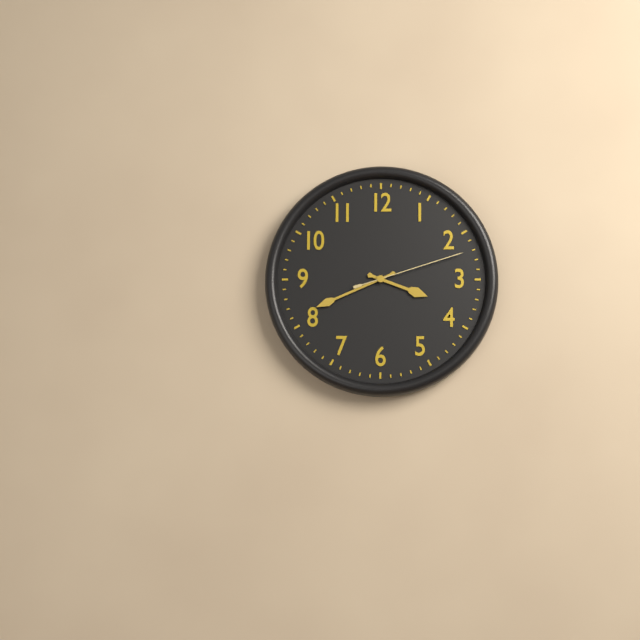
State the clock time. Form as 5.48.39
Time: 3.41.12
